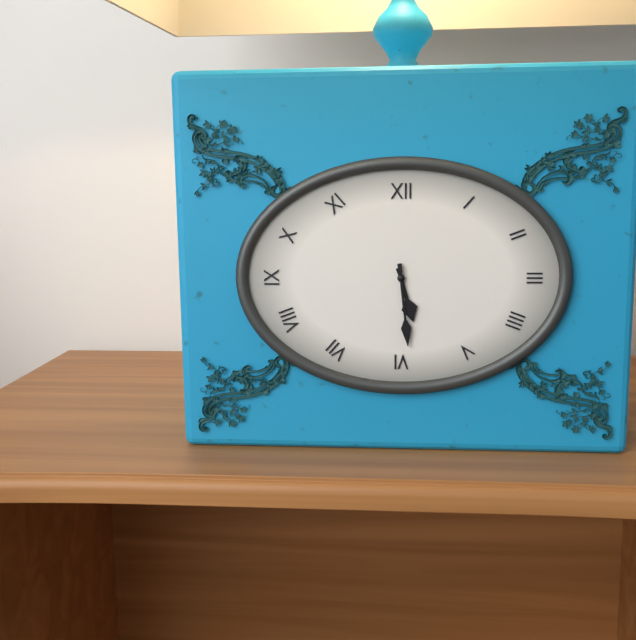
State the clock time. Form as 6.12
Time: 5.29
